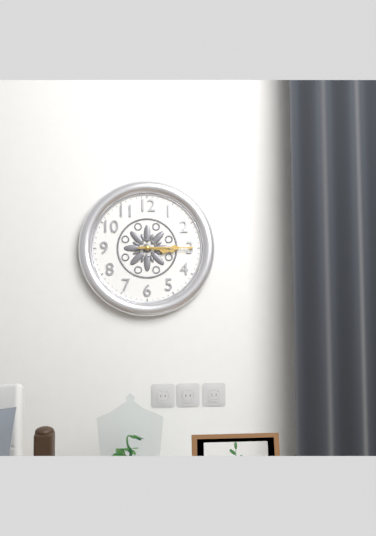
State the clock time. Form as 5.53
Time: 3.15
